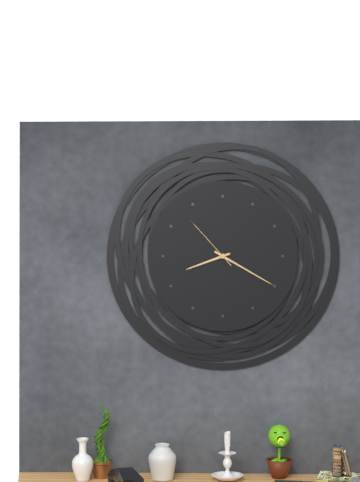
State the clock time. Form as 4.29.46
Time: 8.20.53
